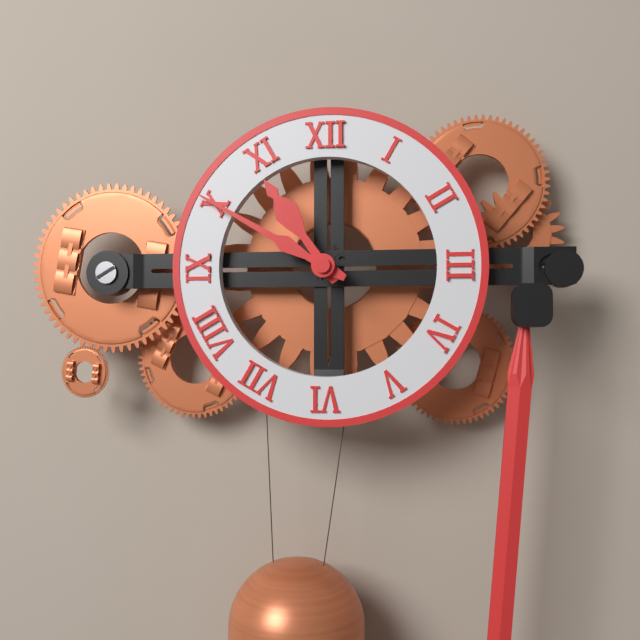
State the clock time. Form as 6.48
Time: 10.50
